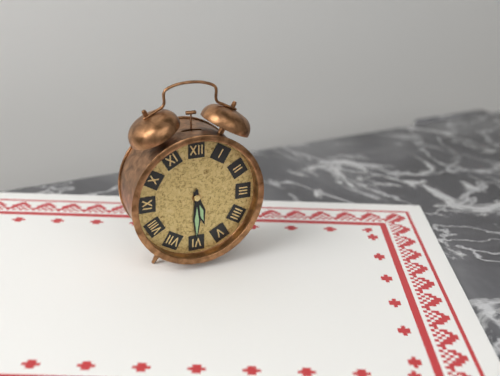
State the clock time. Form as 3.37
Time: 5.30
